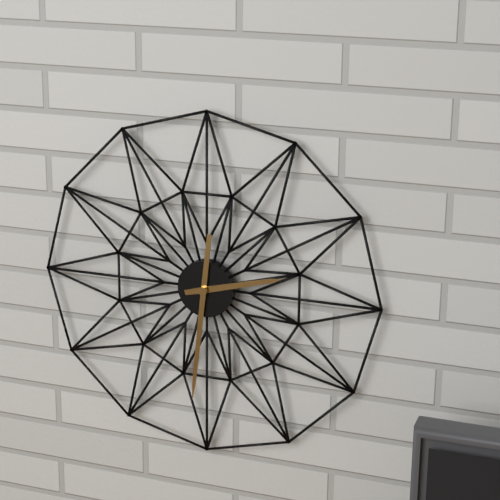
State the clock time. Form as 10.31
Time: 2.31
